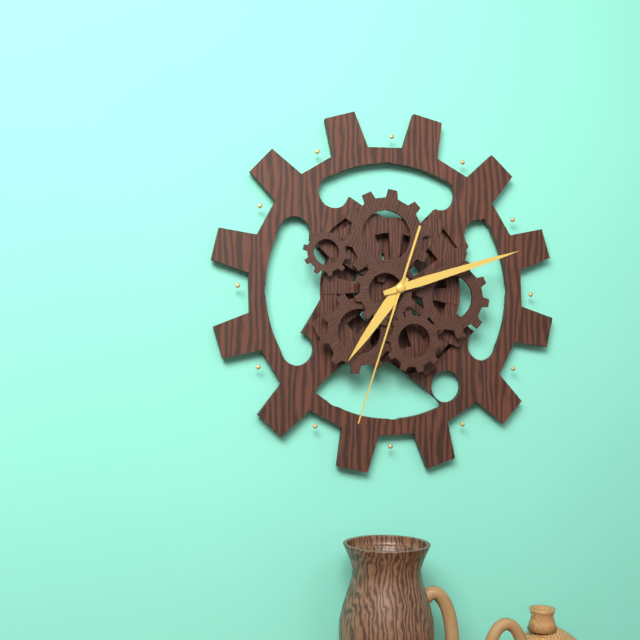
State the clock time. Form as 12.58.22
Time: 7.12.33
